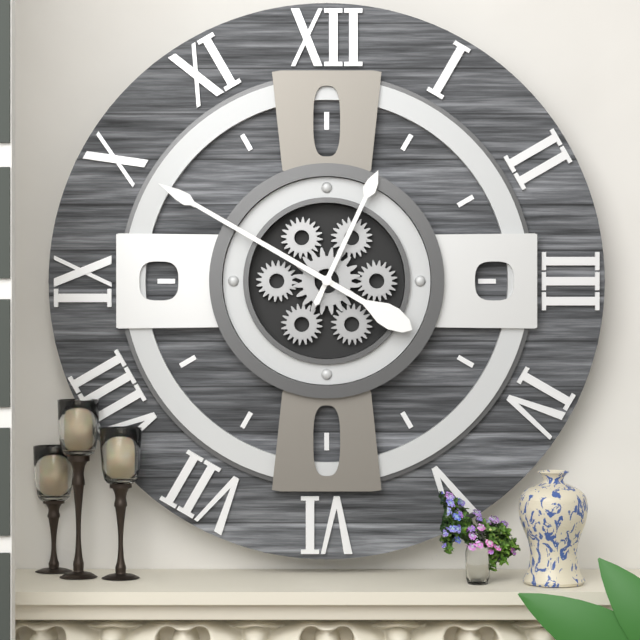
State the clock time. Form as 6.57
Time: 12.50
